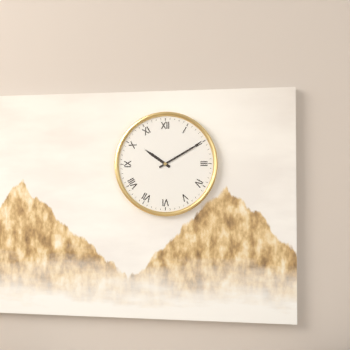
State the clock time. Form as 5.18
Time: 10.10
